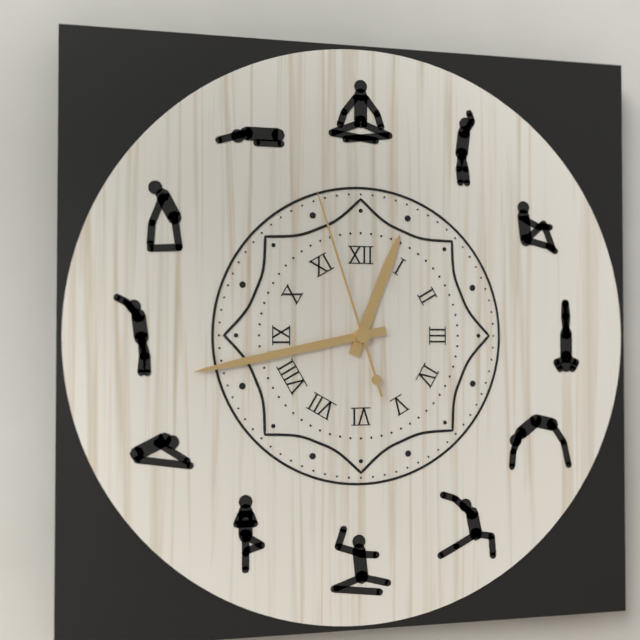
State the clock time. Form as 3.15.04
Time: 12.43.57
